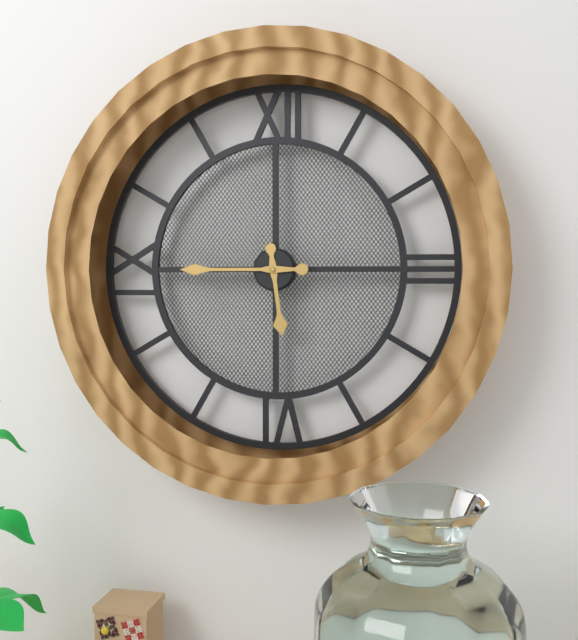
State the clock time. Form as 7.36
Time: 5.45
